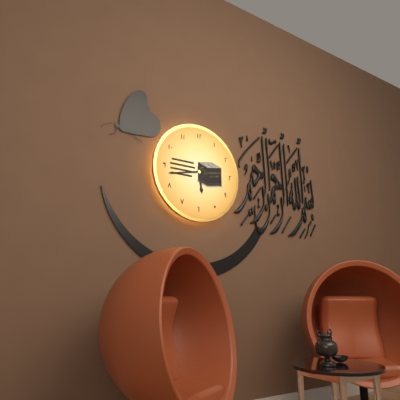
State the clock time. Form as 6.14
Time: 5.43
